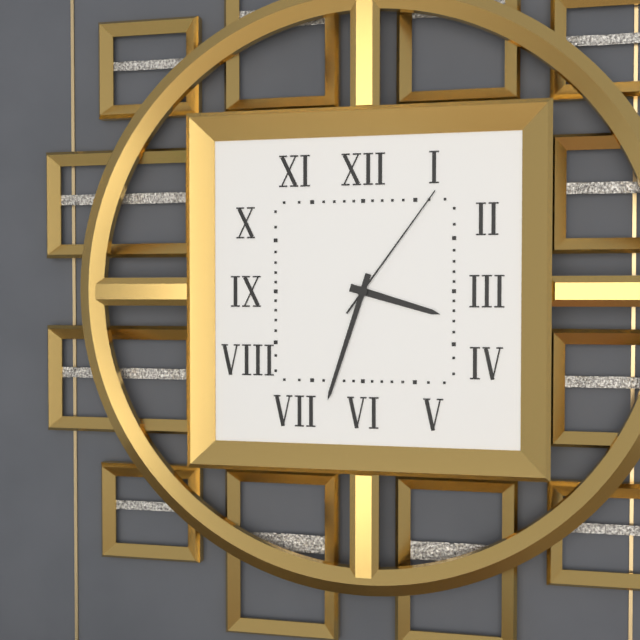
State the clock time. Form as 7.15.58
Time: 3.33.06
